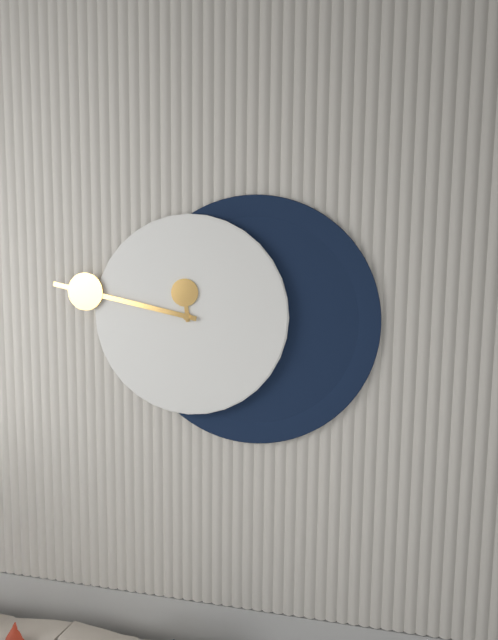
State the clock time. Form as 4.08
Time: 11.47
